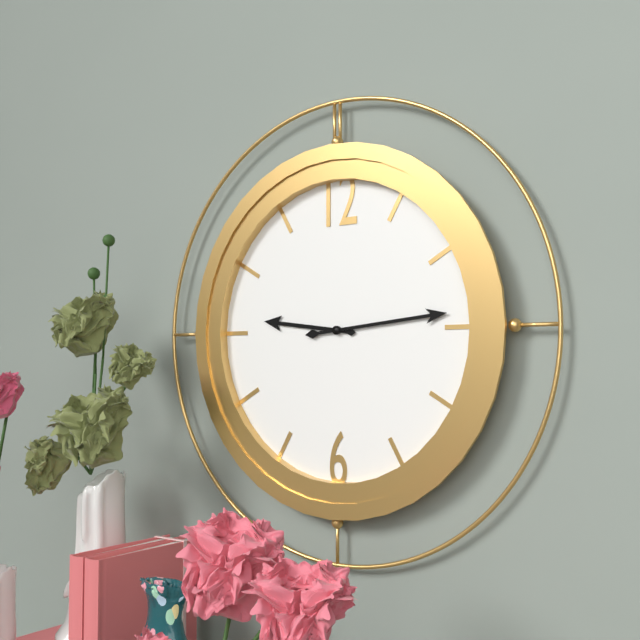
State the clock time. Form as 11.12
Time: 9.14
